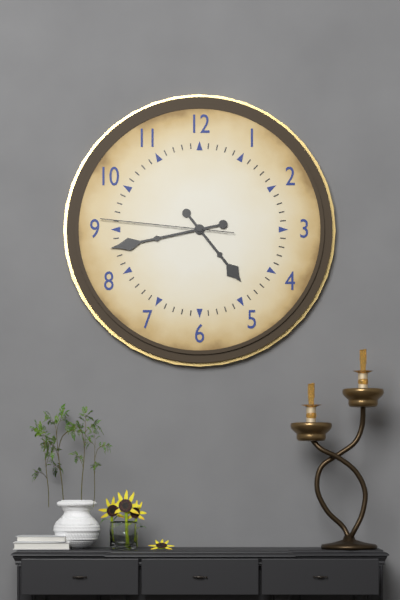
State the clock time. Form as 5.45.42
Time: 4.43.46
